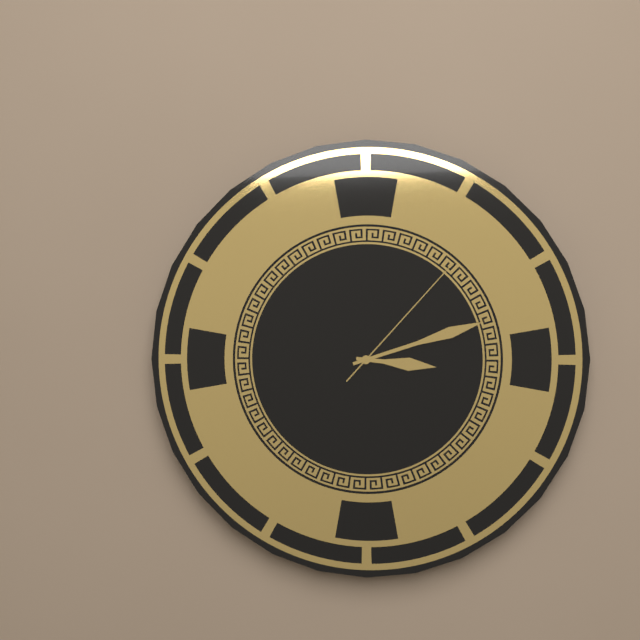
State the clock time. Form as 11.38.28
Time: 3.12.07
